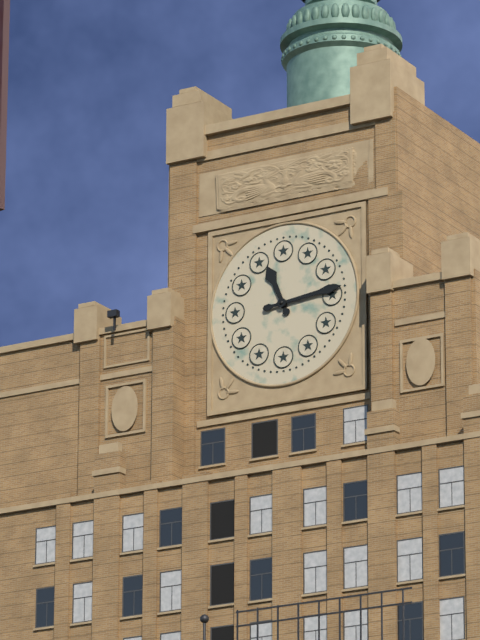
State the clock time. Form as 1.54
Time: 11.14
